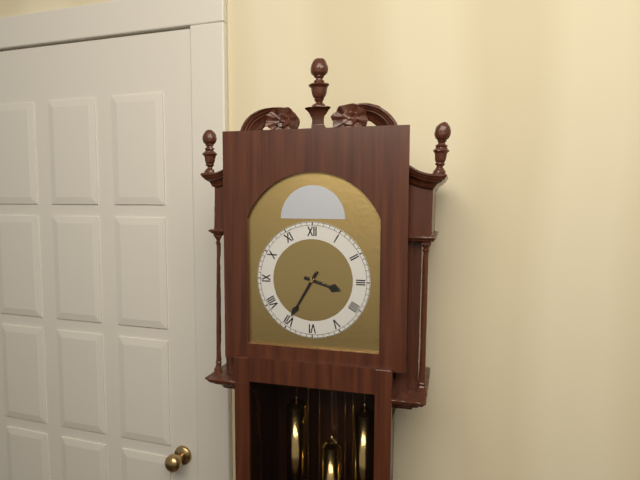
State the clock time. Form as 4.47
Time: 3.35
